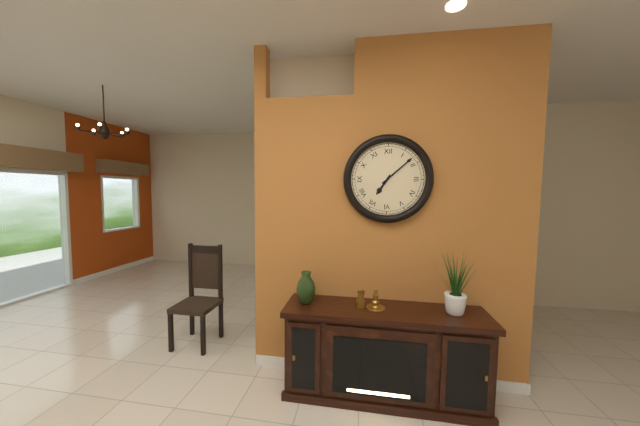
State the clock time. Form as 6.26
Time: 7.08
